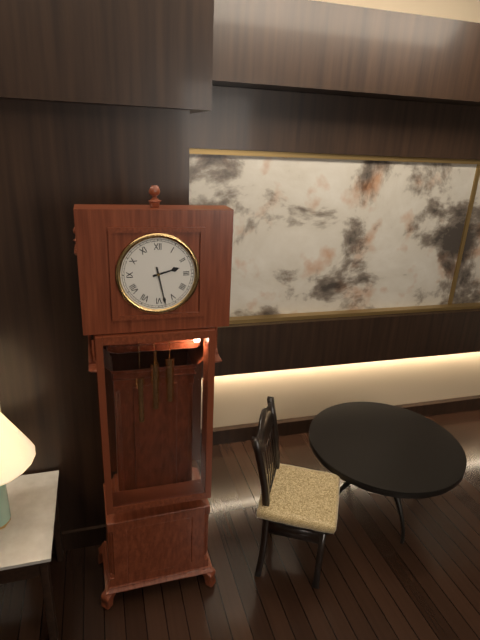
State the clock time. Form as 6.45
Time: 2.28
